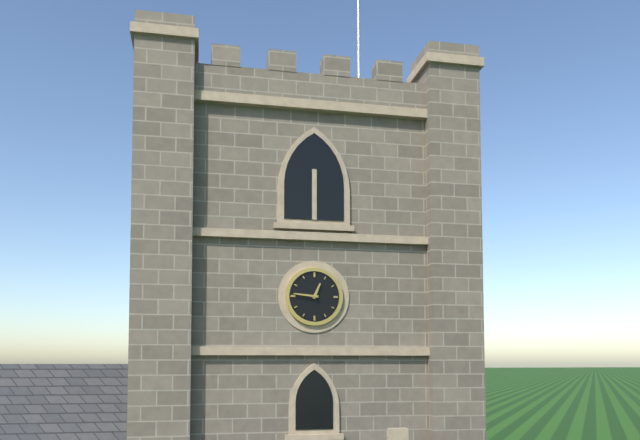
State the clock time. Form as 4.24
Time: 12.46
